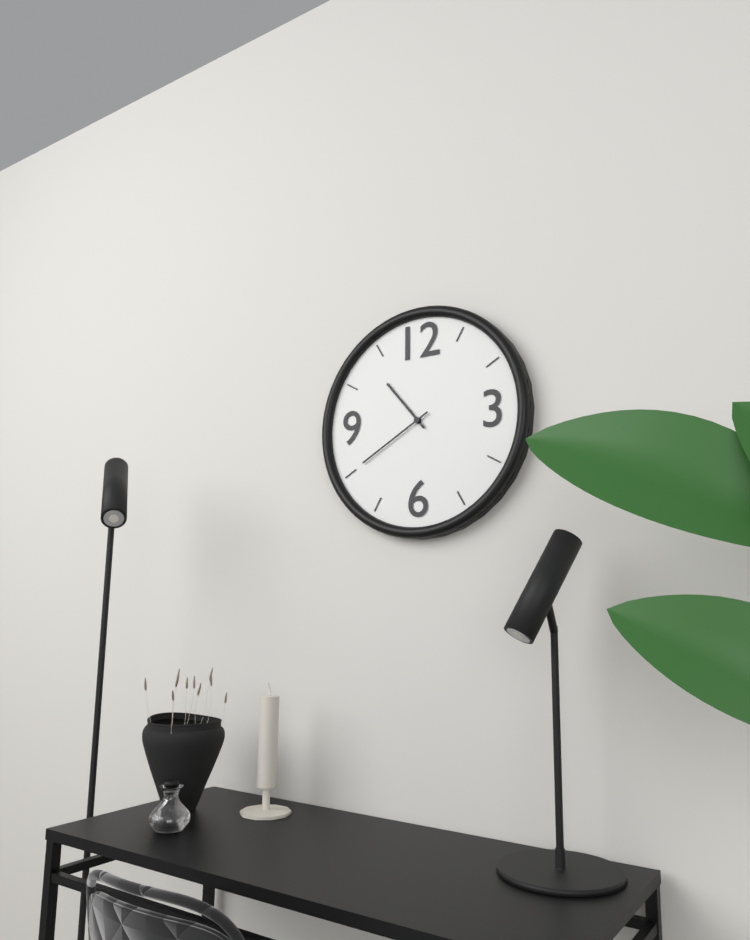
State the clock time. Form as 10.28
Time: 10.40
